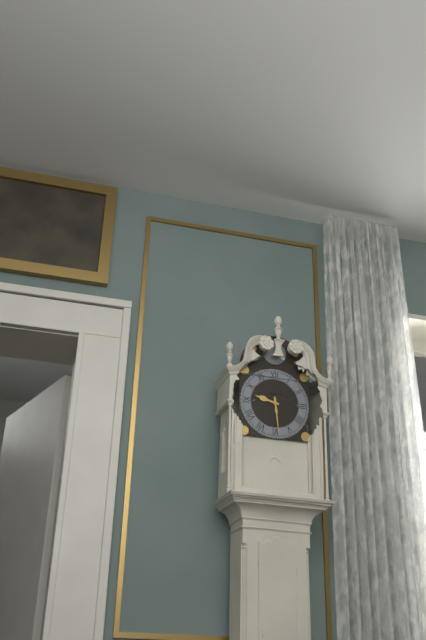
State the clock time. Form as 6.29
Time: 9.29
